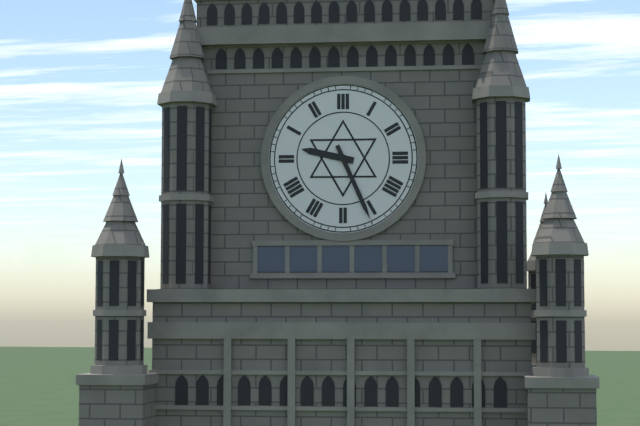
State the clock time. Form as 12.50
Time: 9.26
